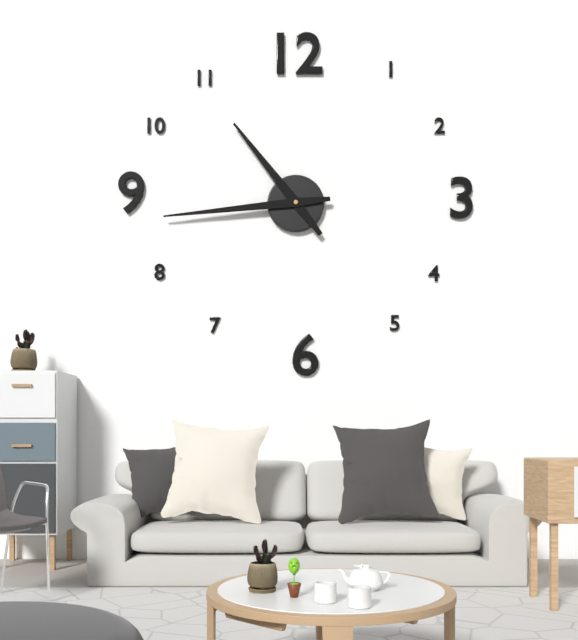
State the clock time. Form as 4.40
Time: 10.44
